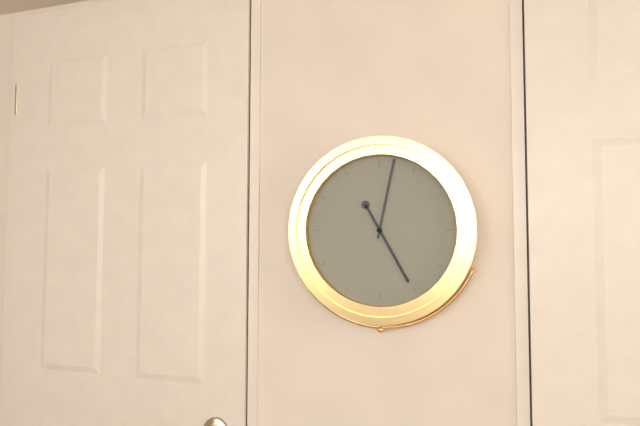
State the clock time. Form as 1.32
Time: 5.02
